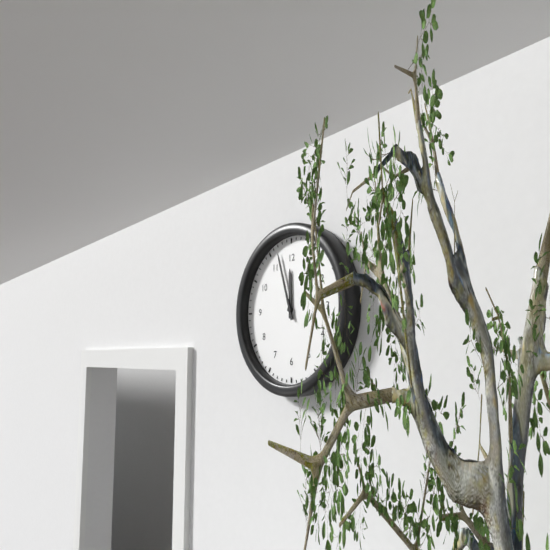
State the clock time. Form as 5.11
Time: 11.57
